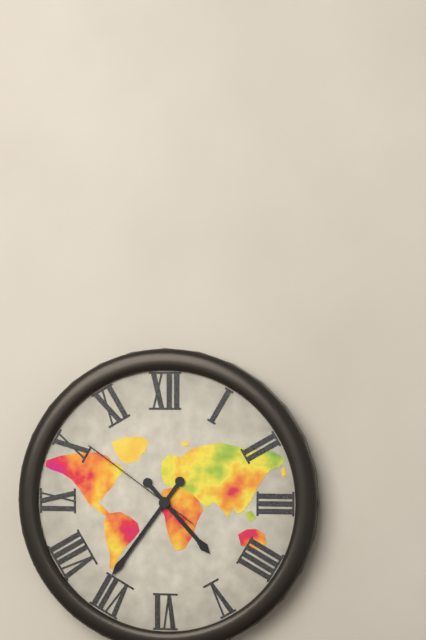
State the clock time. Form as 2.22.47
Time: 4.36.51
